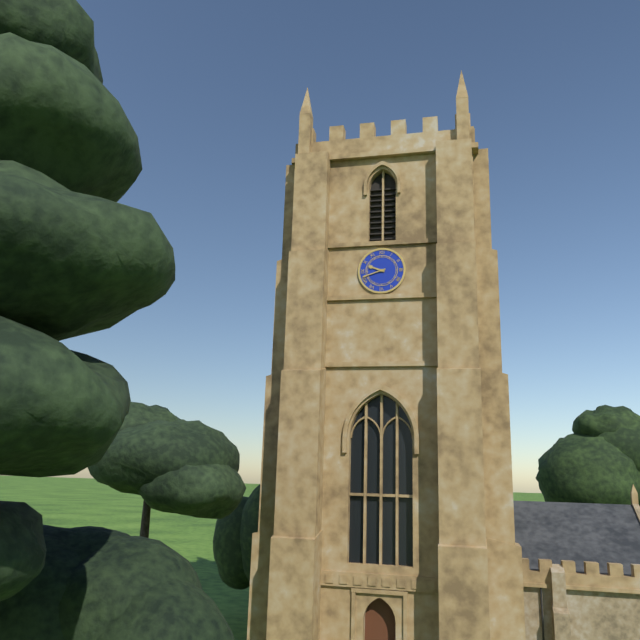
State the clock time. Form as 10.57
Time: 9.42
